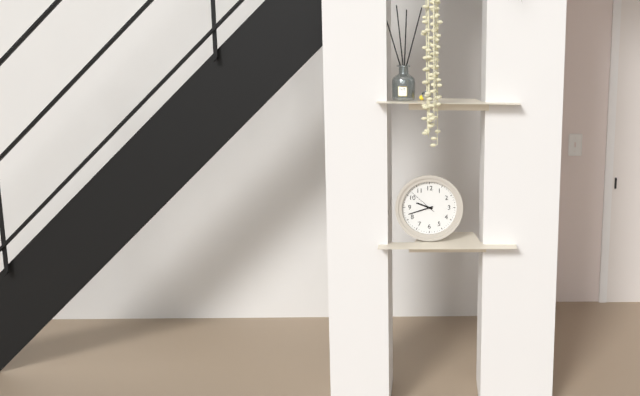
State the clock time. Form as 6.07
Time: 9.42
